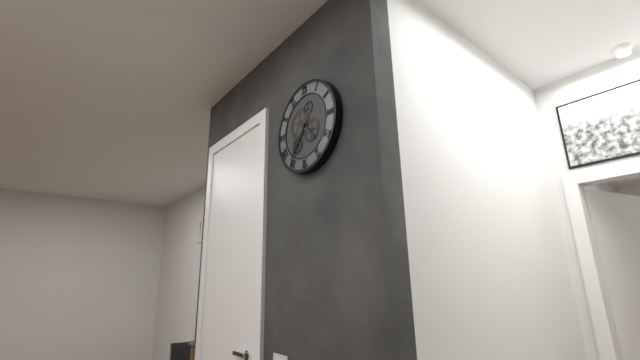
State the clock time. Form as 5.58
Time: 4.36
